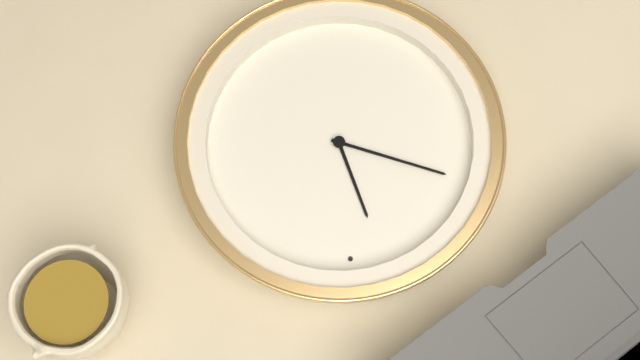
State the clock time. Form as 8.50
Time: 10.45
